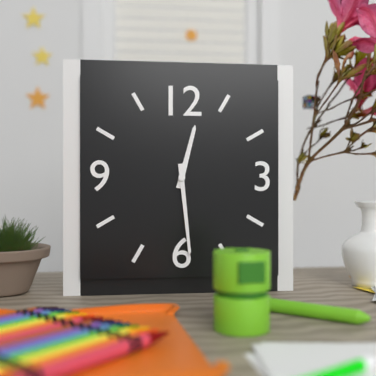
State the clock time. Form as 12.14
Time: 12.29
